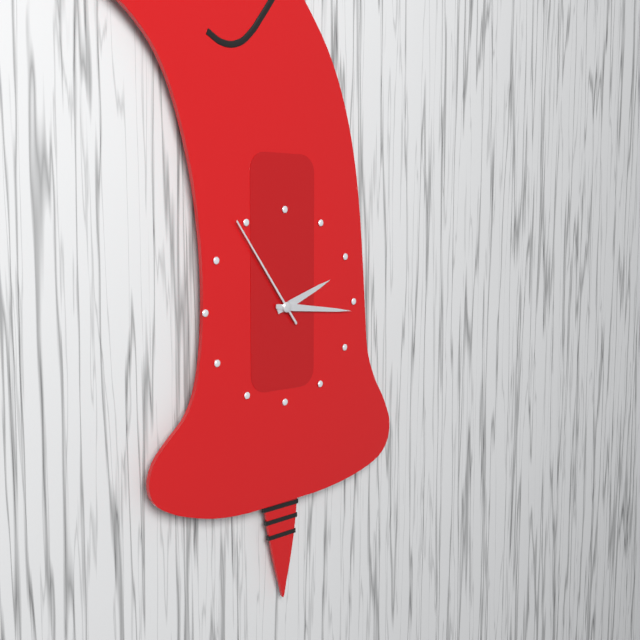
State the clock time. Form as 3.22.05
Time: 2.16.54
